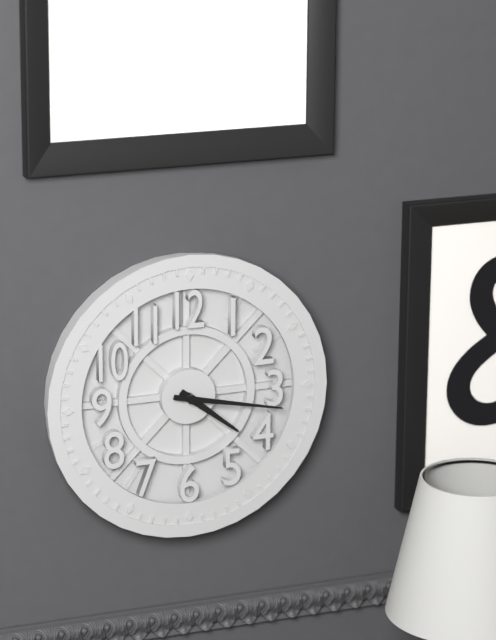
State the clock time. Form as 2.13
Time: 4.17
